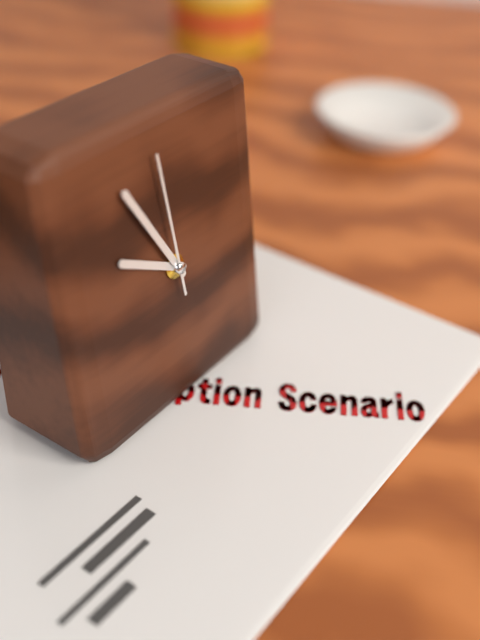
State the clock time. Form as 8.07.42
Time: 9.55.59
